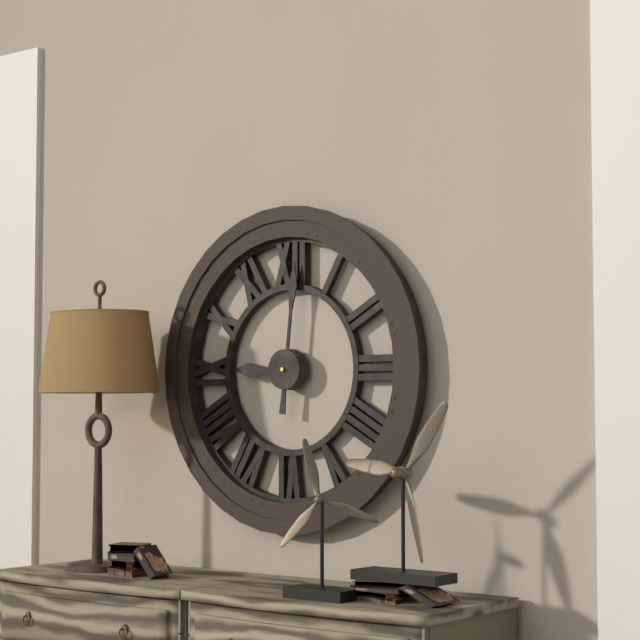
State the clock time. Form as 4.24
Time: 9.01
